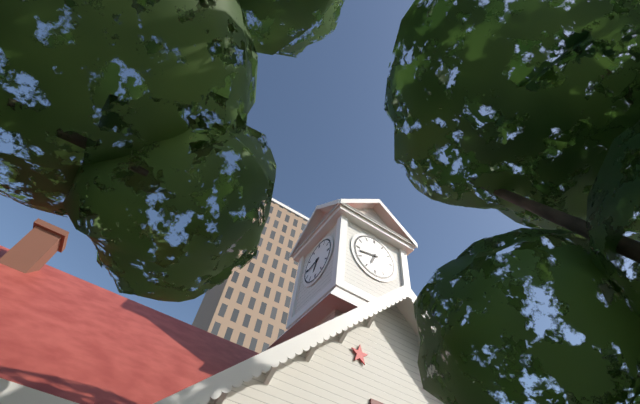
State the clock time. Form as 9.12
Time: 6.43
